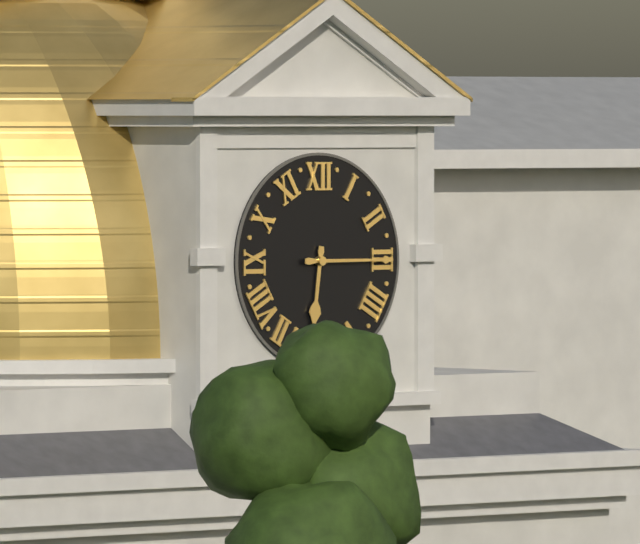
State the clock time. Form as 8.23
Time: 6.15
